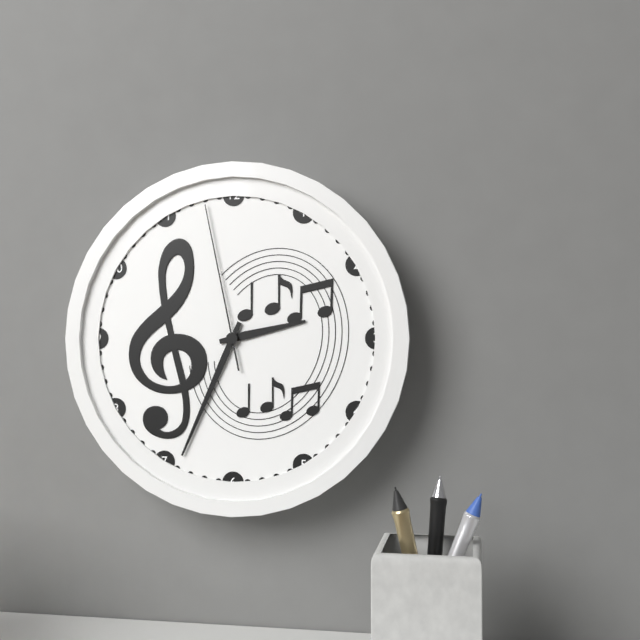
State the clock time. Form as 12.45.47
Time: 2.34.58
